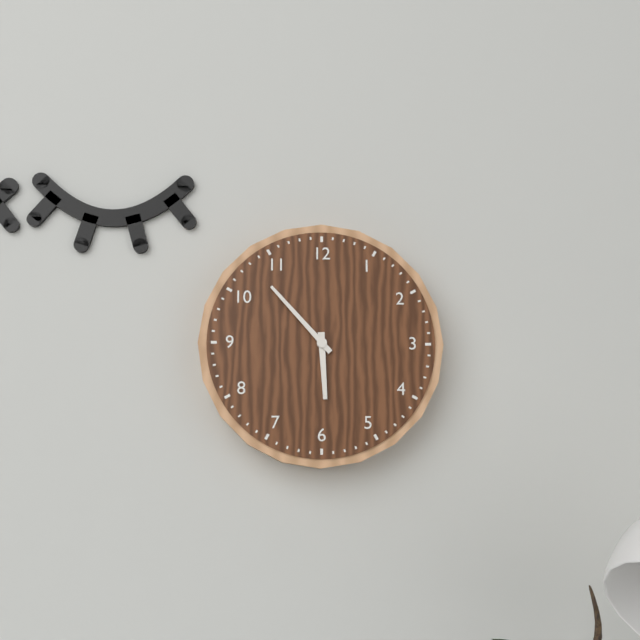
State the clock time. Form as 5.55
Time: 5.53
